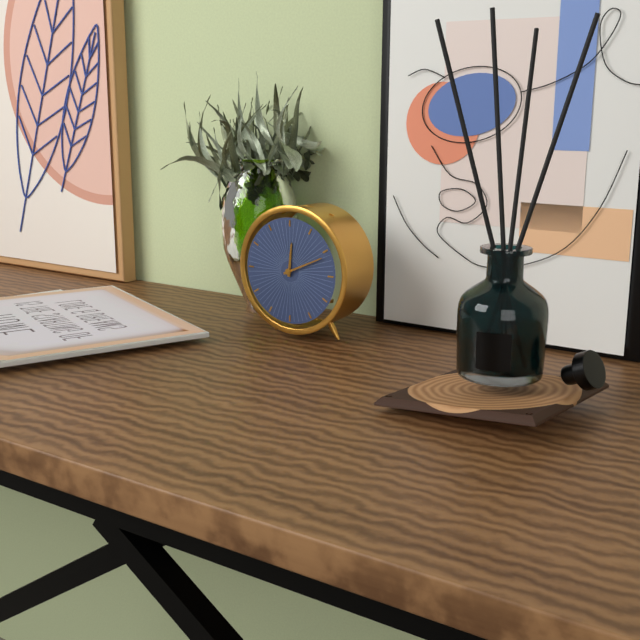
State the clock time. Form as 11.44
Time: 12.11
